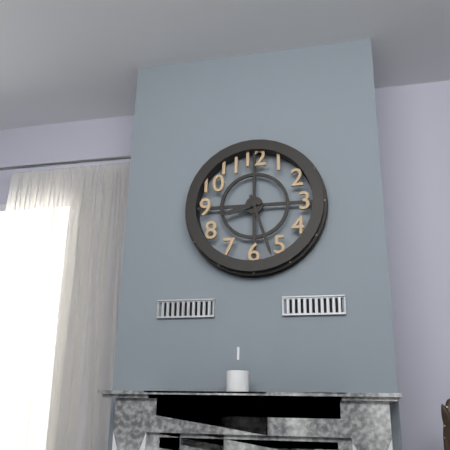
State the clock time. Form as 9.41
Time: 8.27
